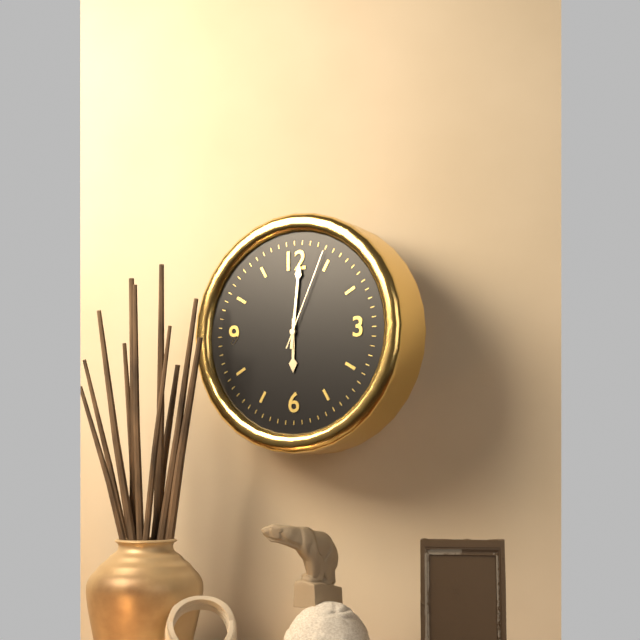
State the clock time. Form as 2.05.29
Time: 6.01.04
